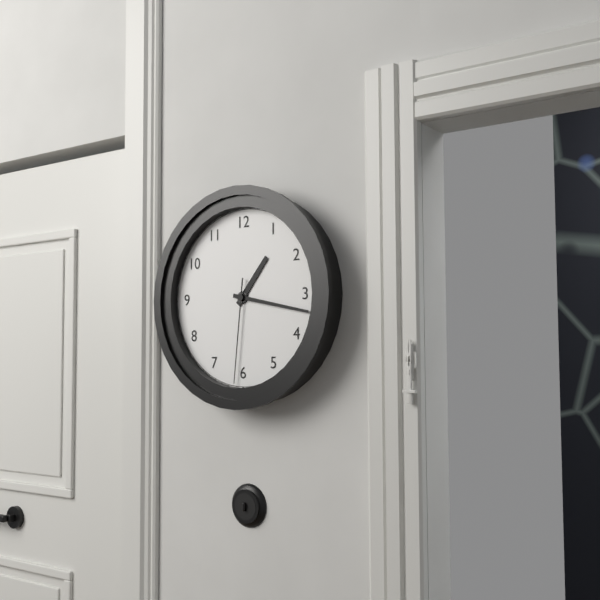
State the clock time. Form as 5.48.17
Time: 1.17.31
